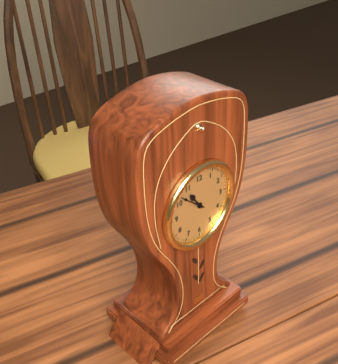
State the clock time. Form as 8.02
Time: 10.52
